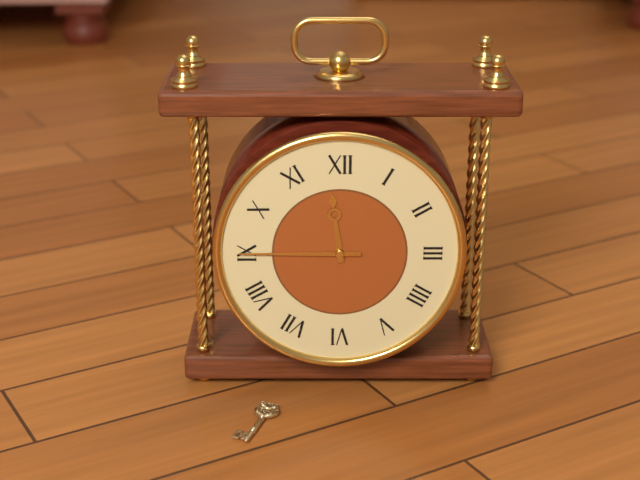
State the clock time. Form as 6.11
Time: 11.45
